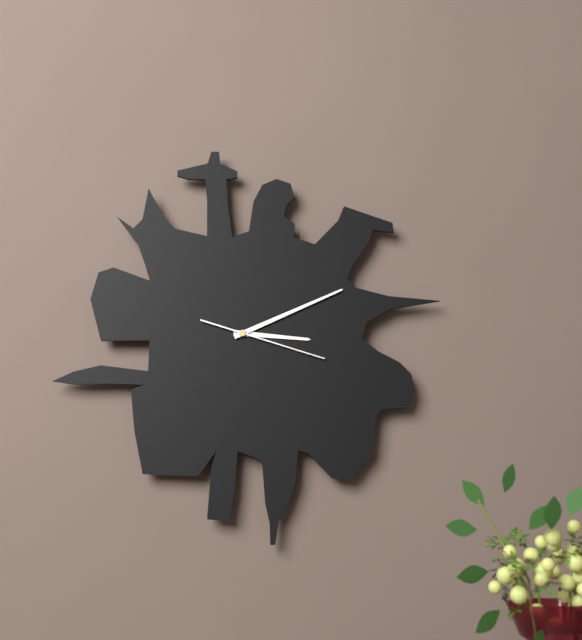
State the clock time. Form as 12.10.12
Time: 3.11.18
